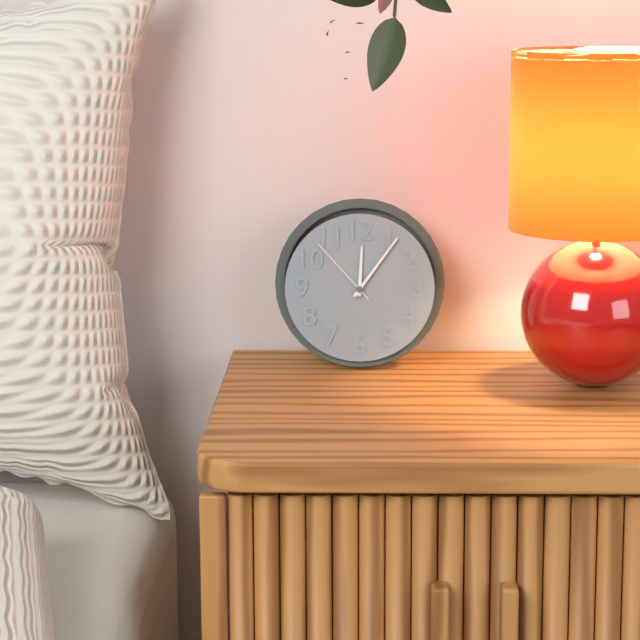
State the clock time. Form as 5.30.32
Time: 12.06.53
